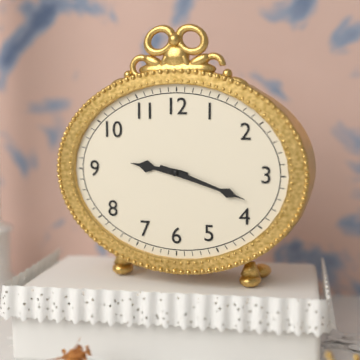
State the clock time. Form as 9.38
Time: 9.18
